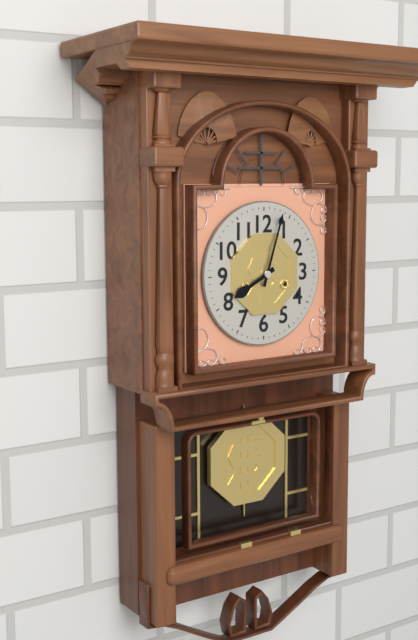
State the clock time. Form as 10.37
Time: 8.03
